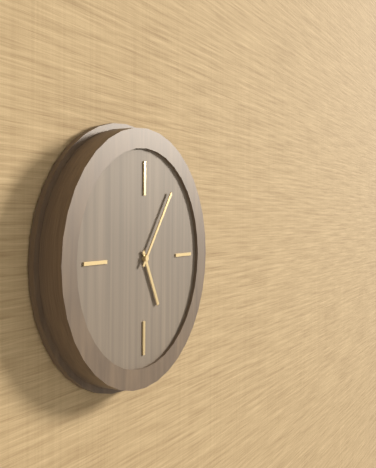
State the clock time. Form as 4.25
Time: 5.06
